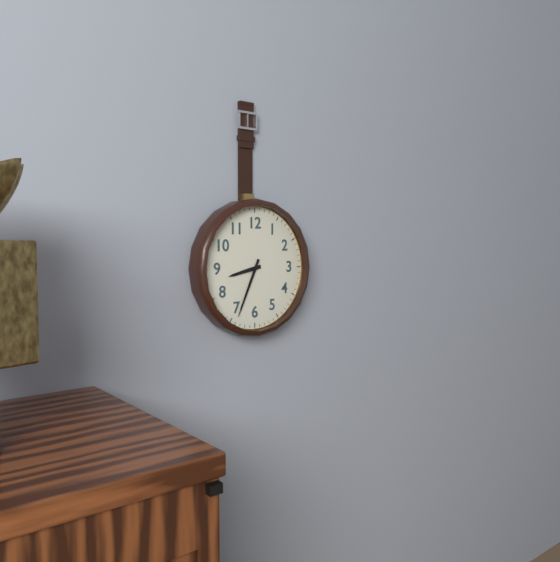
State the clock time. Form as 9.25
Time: 8.34
